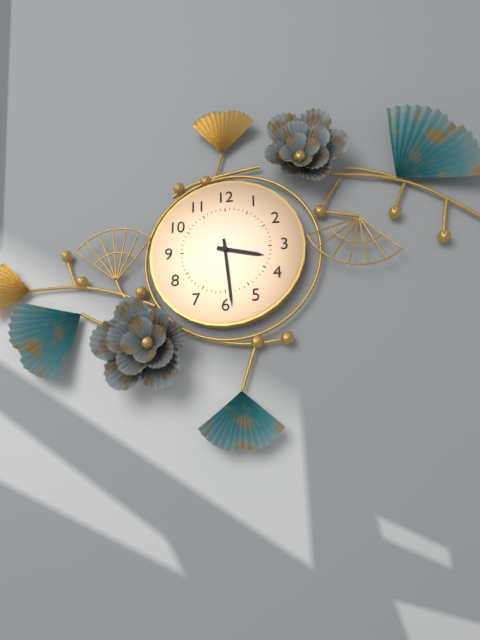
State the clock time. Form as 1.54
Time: 3.29
